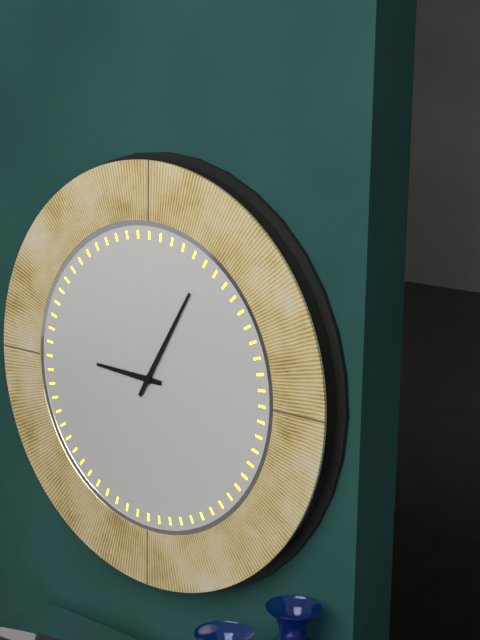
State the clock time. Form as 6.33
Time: 9.05
